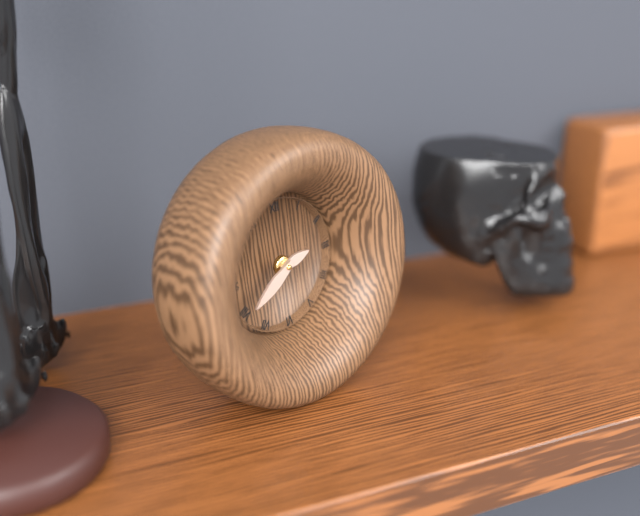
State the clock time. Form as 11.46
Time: 2.40
